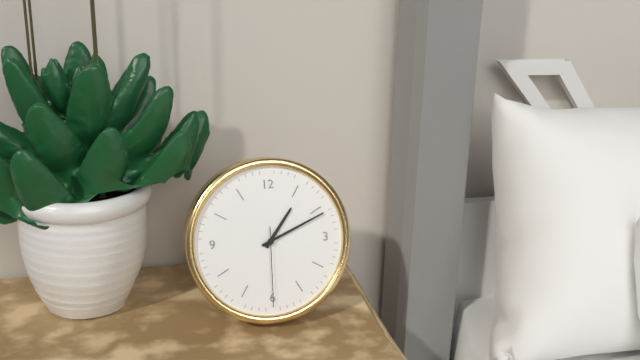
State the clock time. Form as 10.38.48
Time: 1.11.30
